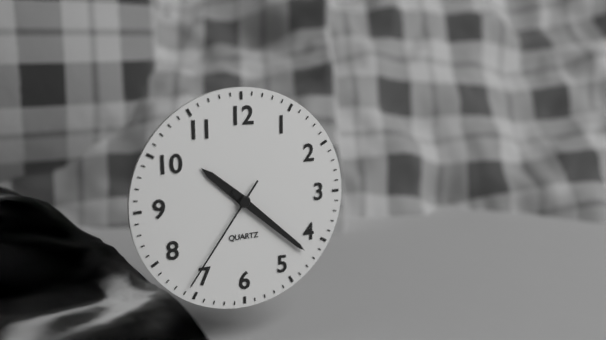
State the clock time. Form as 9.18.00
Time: 10.22.36
